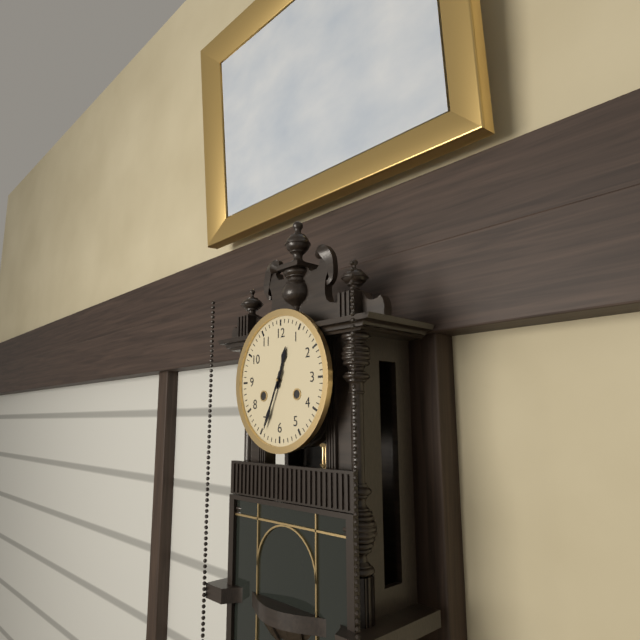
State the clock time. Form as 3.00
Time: 12.34
